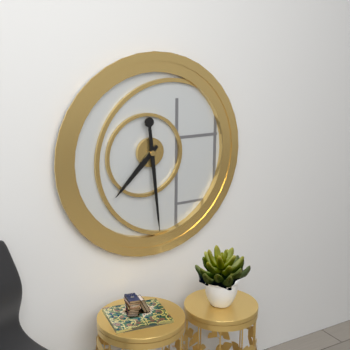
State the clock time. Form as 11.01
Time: 7.29
